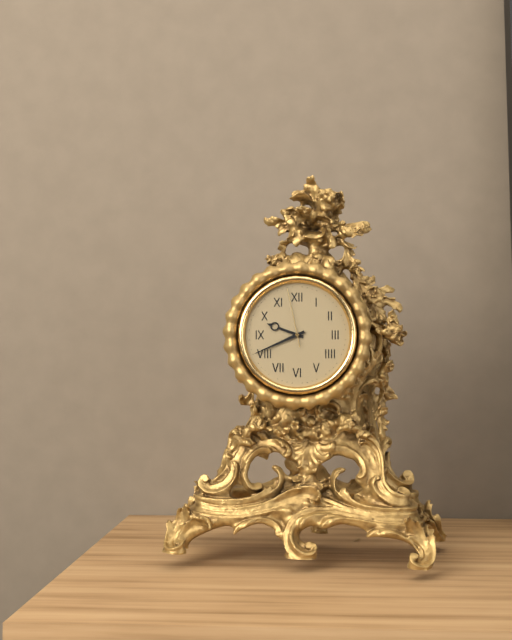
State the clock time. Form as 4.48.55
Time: 9.41.58
